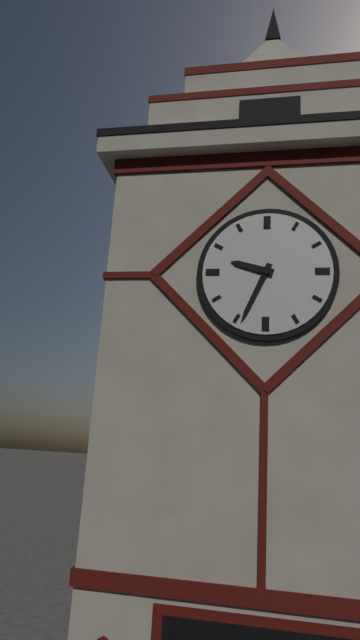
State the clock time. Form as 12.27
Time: 9.34
